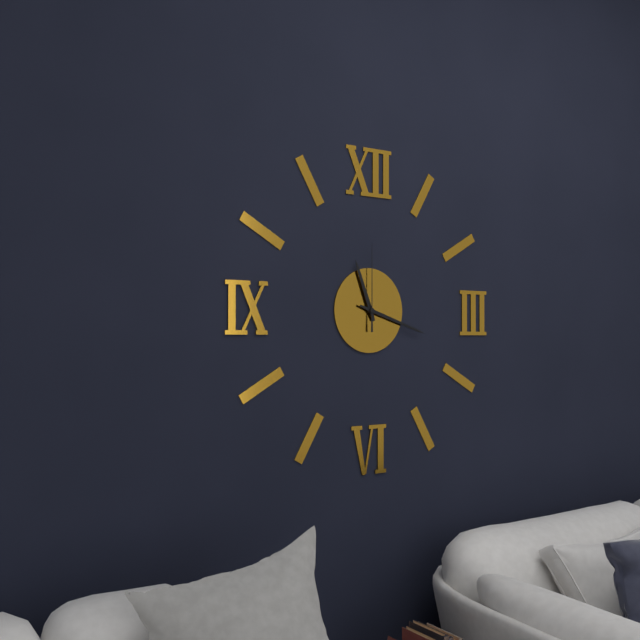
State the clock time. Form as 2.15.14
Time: 11.18.00
